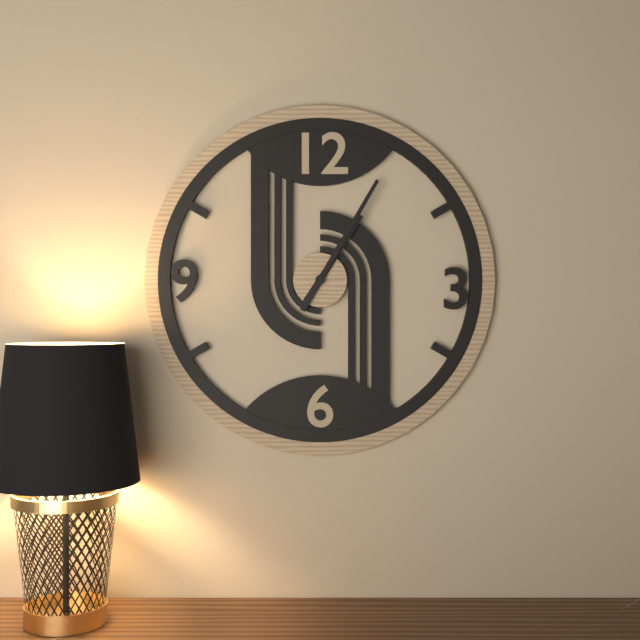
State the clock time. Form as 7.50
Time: 1.05
